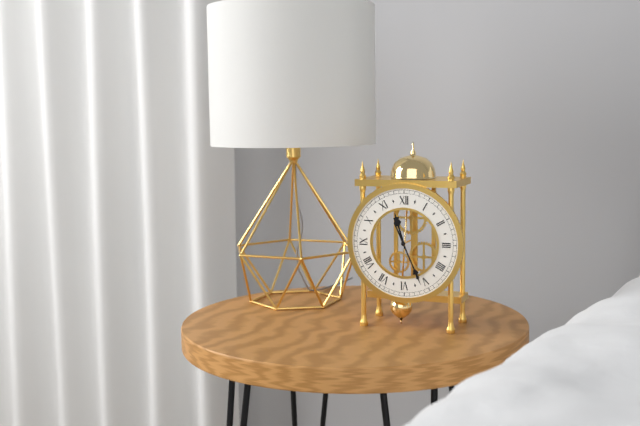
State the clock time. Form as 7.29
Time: 11.26
